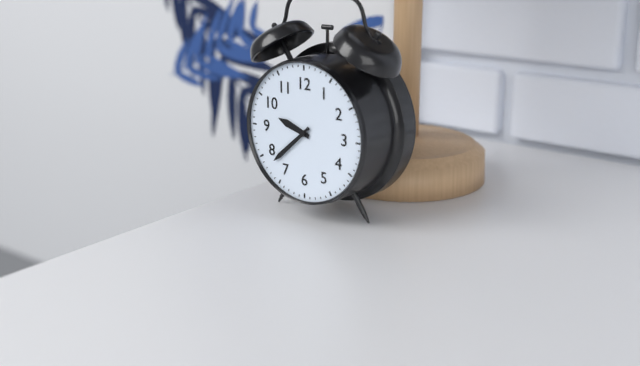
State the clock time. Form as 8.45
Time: 9.38
